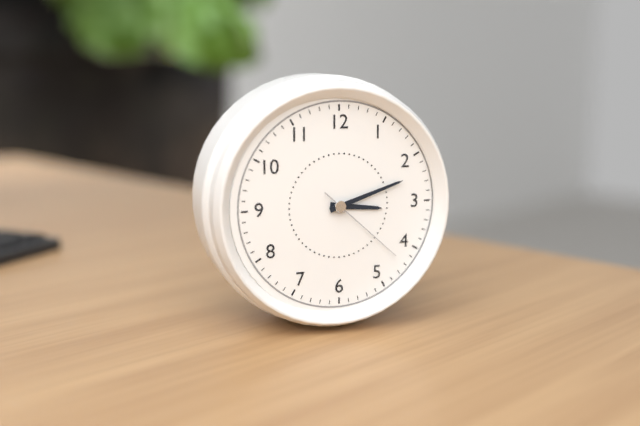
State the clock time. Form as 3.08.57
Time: 3.12.22
